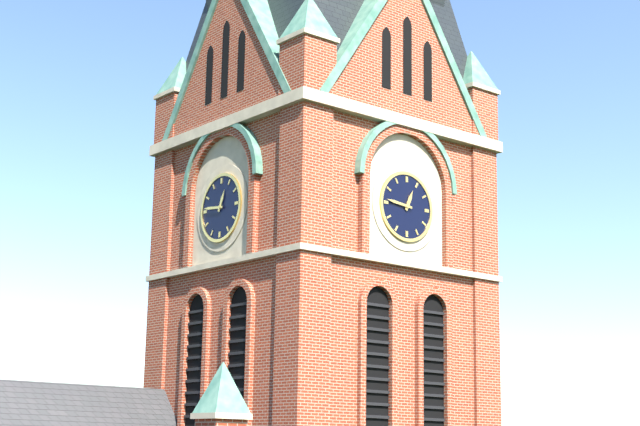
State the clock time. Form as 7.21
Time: 12.46
